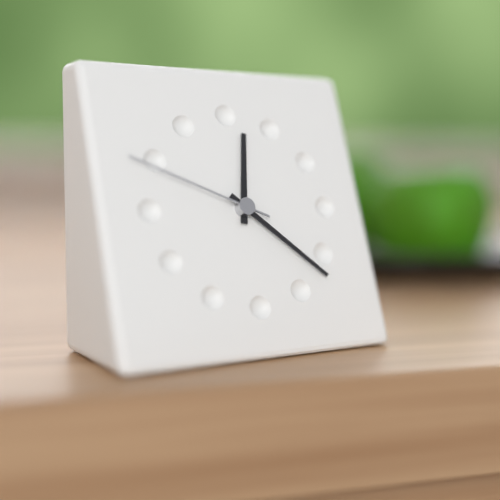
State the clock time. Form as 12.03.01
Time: 12.22.49
